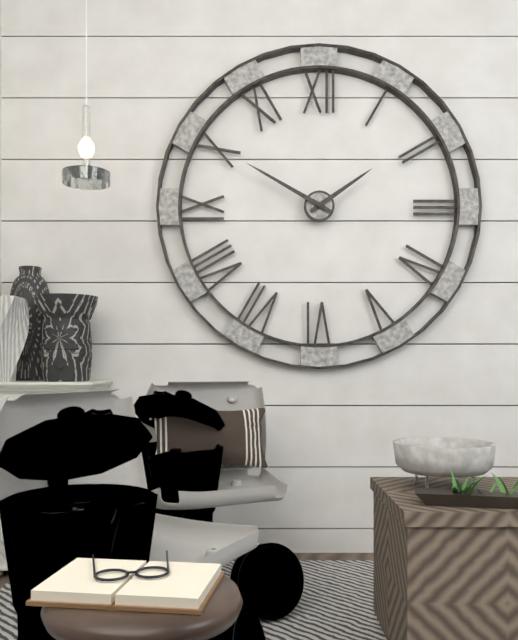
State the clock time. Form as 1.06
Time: 1.50
